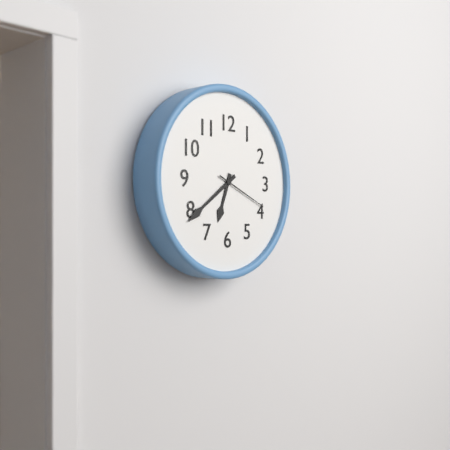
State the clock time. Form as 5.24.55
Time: 6.39.19
